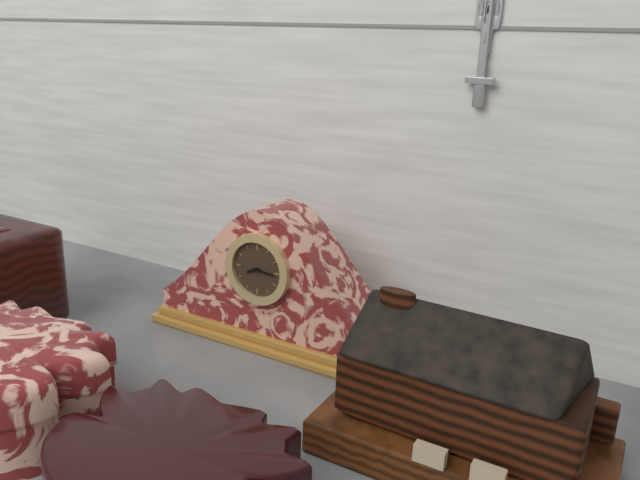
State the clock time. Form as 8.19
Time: 8.16
